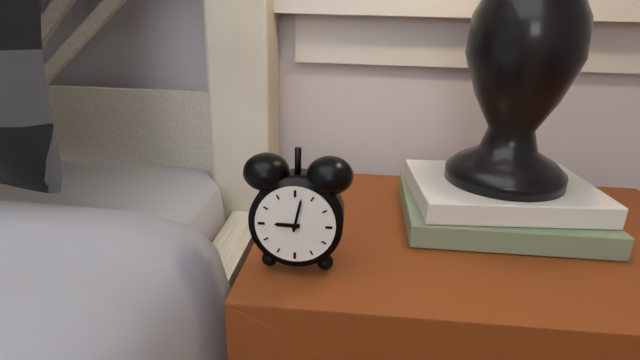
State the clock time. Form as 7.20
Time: 9.02
